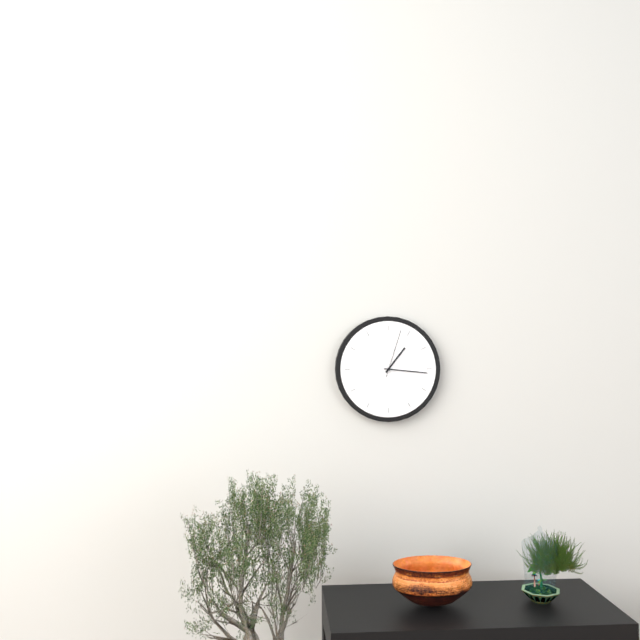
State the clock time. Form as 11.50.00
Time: 1.16.03
